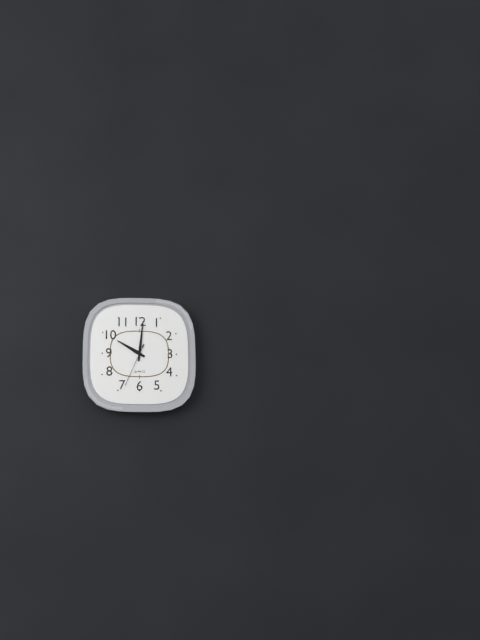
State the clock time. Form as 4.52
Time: 10.01
